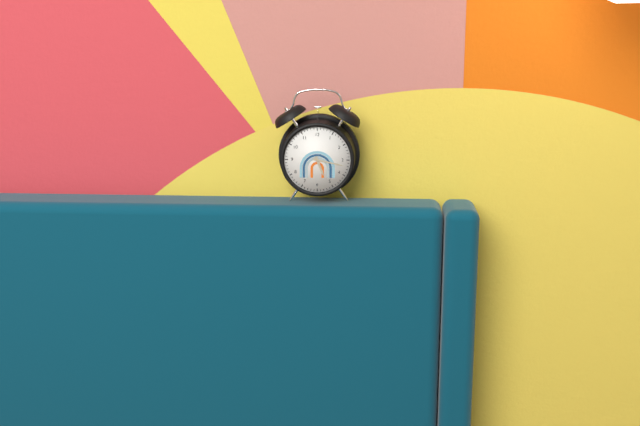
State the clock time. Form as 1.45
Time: 5.17
